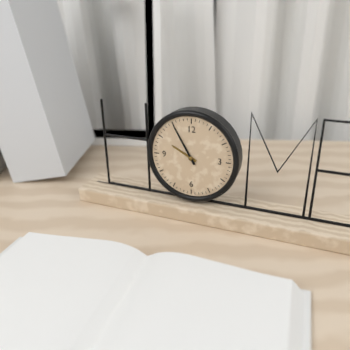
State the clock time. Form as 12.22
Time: 9.55
